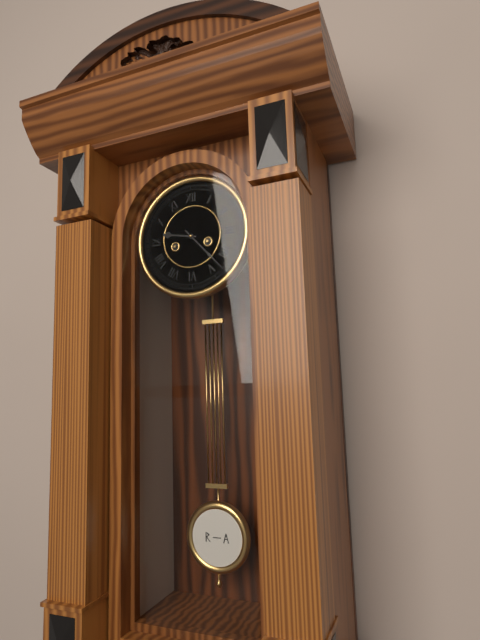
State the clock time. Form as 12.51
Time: 9.23
